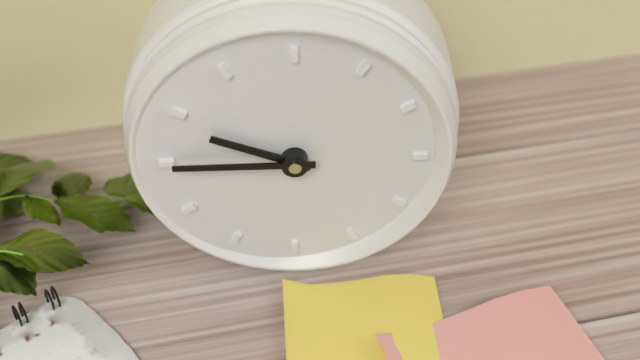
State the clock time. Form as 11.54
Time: 9.45
